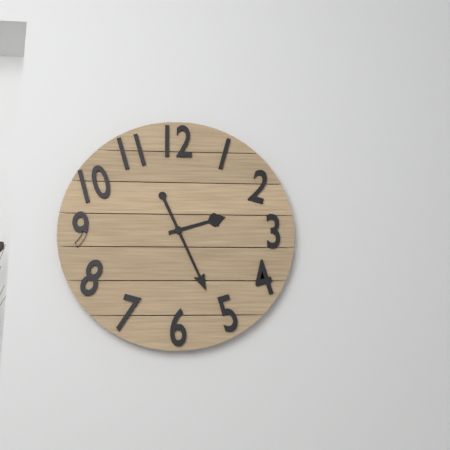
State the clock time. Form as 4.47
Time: 2.26
